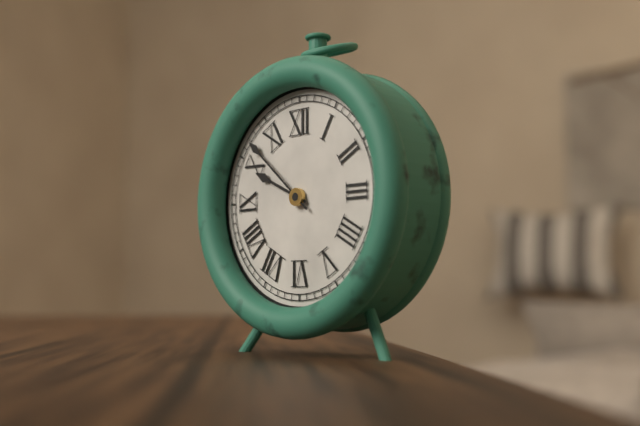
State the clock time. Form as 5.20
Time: 9.52
